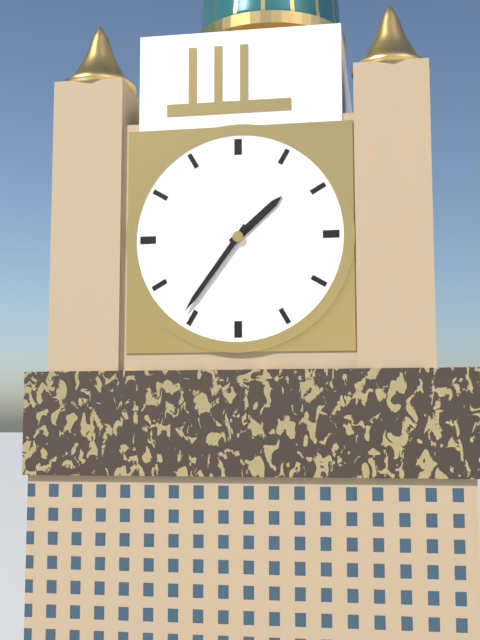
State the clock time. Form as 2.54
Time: 1.36
